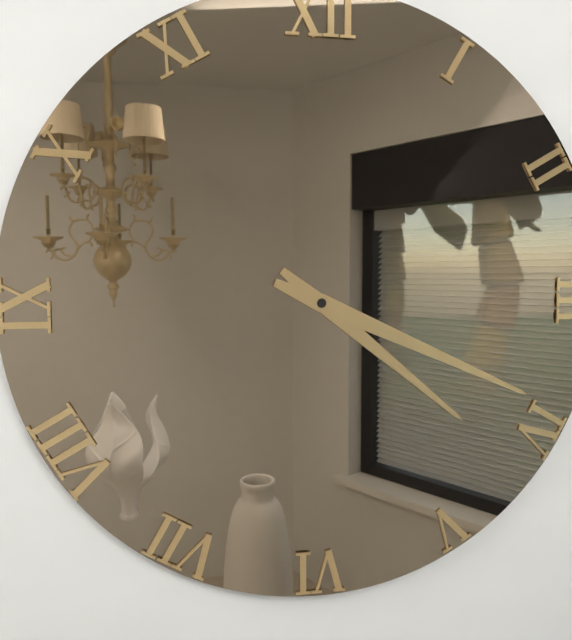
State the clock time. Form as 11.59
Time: 4.19
